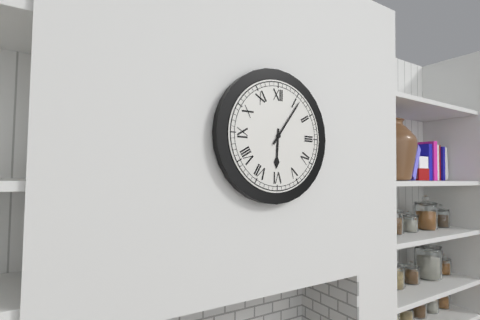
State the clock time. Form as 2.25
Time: 6.06
